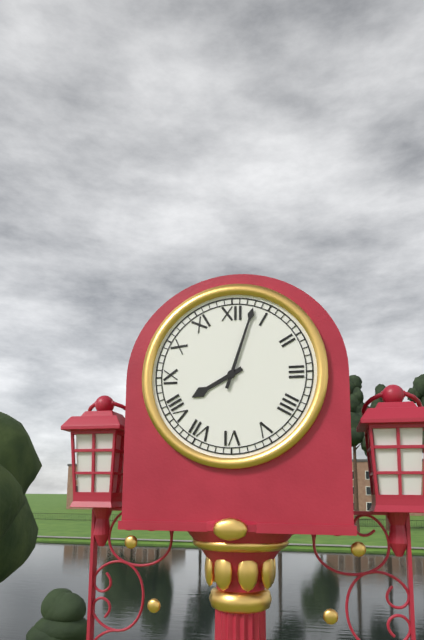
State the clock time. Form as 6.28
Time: 8.03
